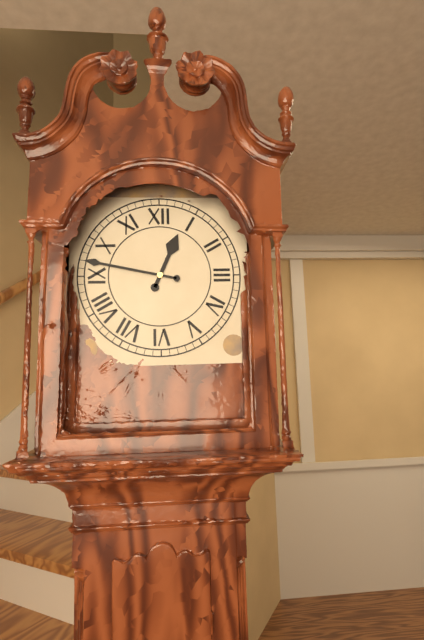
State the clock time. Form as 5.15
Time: 12.47
